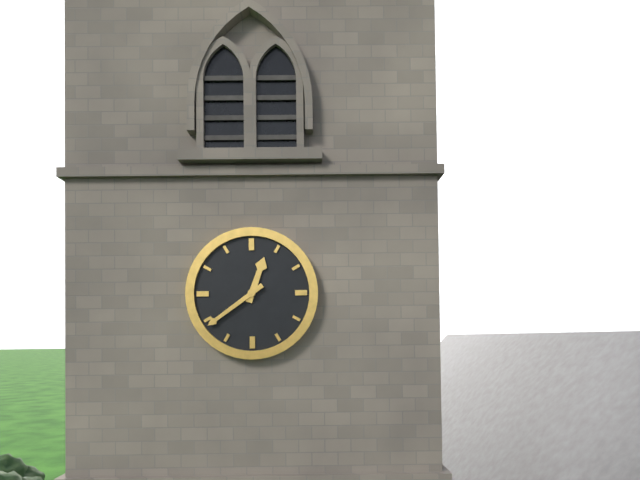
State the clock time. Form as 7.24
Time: 12.39
